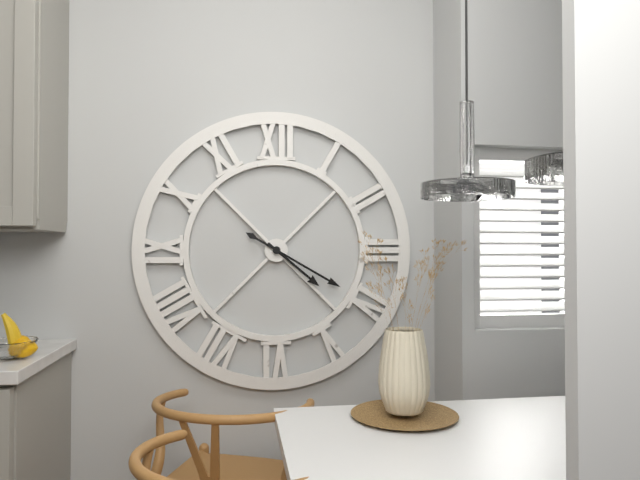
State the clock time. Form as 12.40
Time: 4.20
